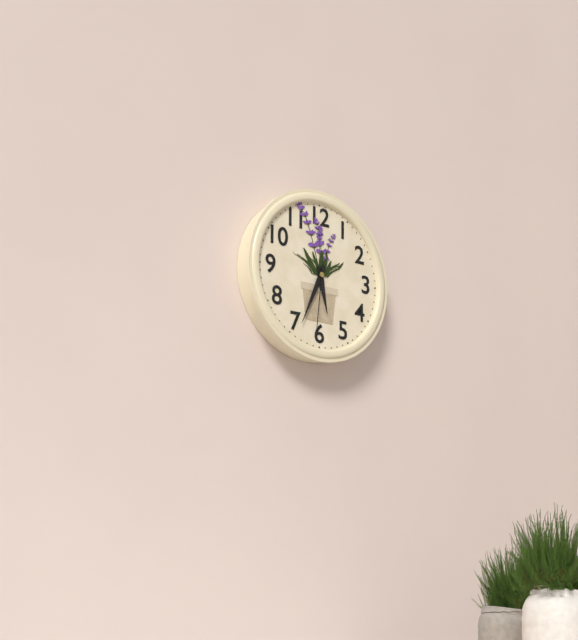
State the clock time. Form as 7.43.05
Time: 5.34.31
